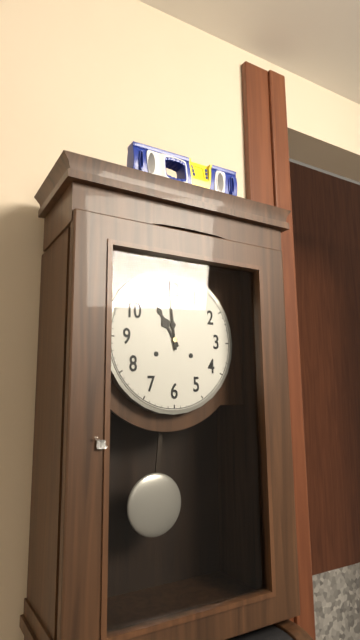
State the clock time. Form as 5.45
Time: 10.59
